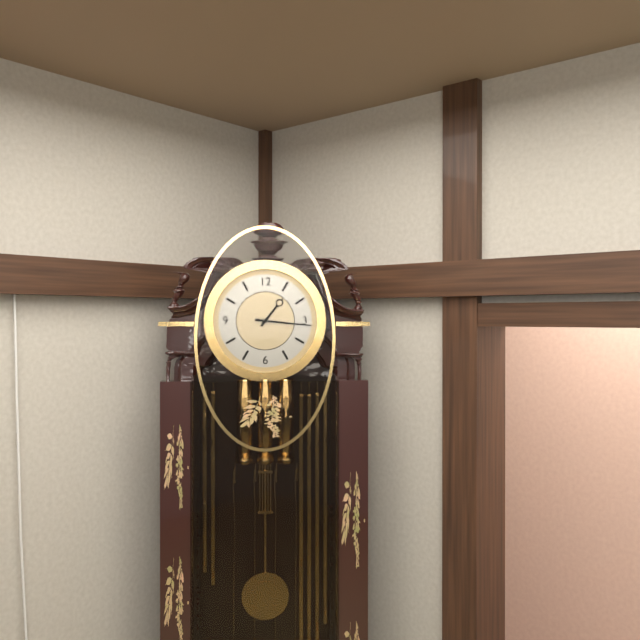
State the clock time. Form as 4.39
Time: 1.16
